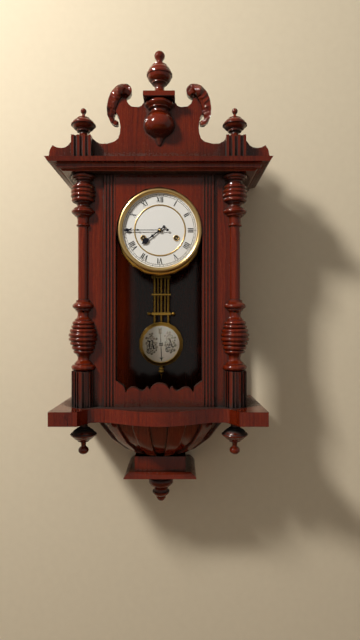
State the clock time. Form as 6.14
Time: 7.45
